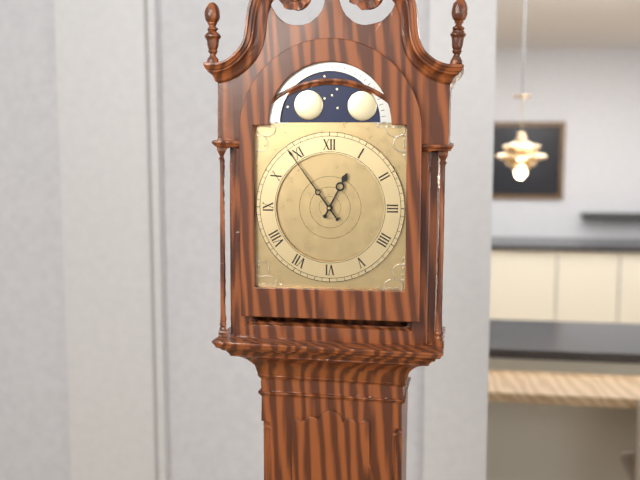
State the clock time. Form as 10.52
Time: 12.54
